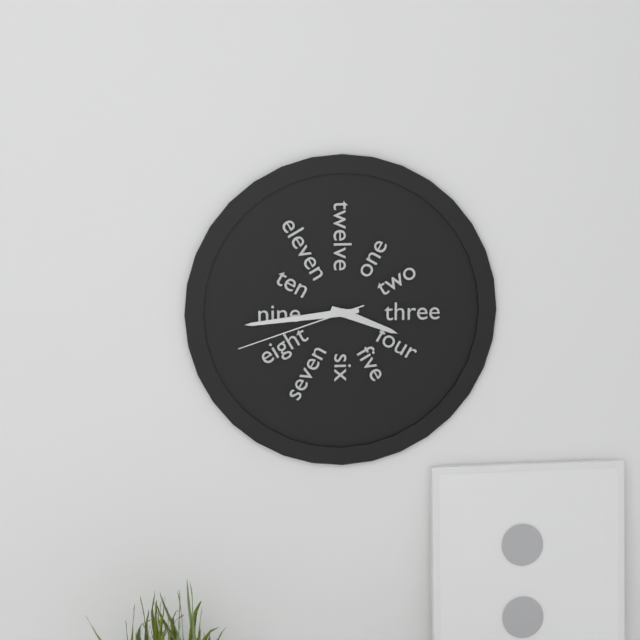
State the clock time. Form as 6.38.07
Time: 3.44.42
